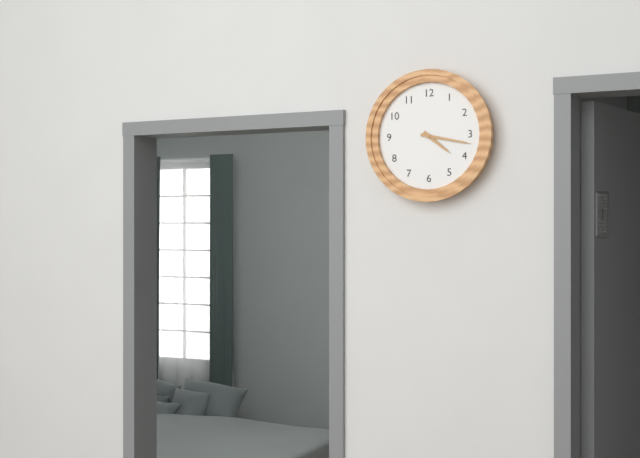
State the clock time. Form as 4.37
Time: 4.17
